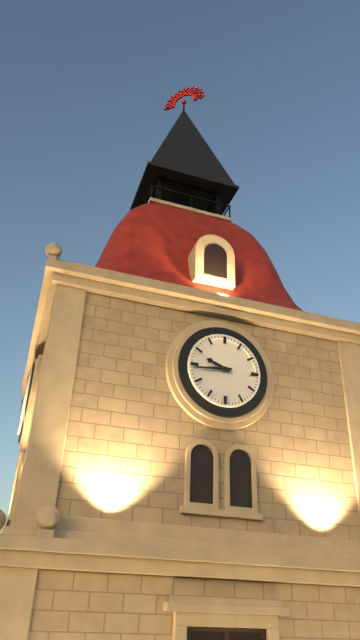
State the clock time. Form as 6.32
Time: 9.44
